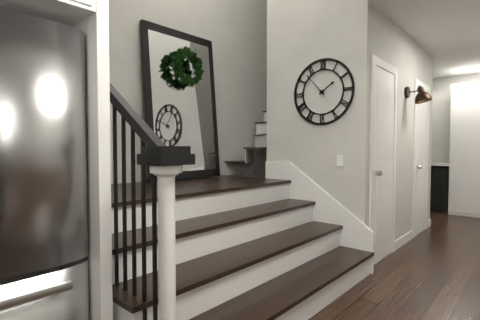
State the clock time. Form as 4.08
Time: 1.53
